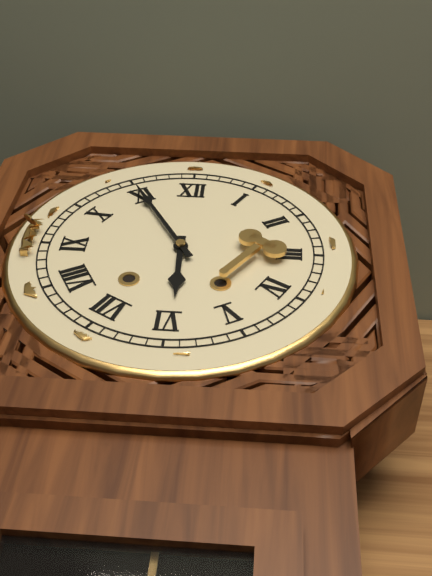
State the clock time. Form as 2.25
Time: 5.55
